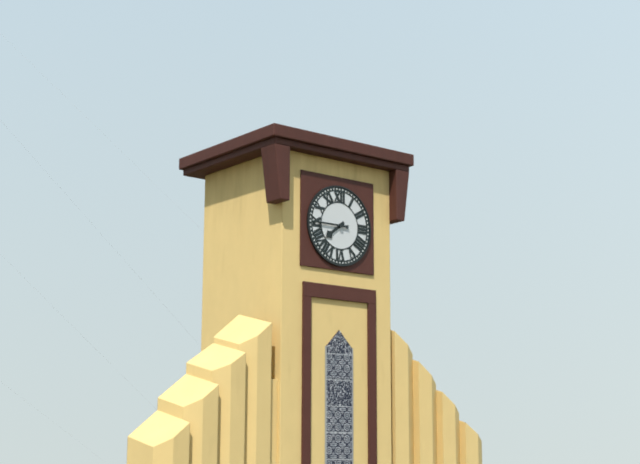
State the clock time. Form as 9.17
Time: 7.45
